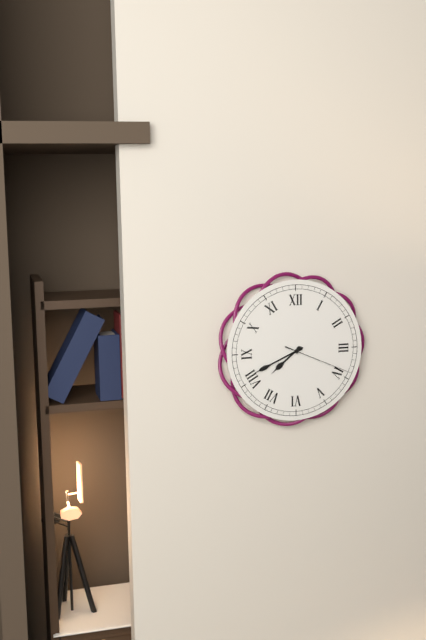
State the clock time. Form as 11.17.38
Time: 7.41.19
